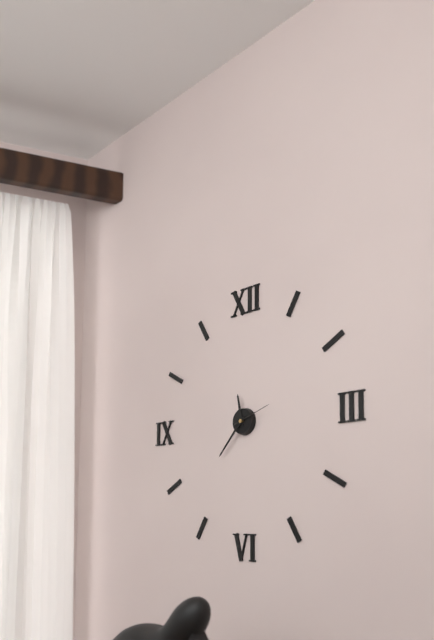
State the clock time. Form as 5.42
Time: 11.37
